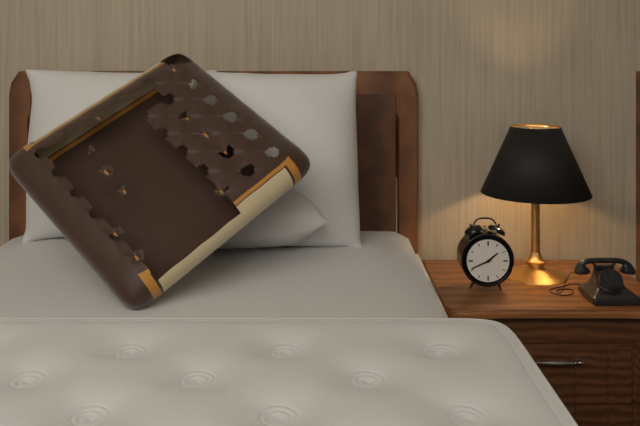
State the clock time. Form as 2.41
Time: 1.41
